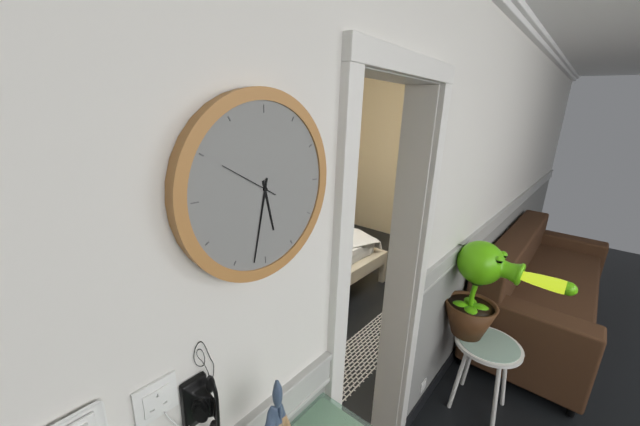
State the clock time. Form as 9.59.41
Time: 5.32.50
